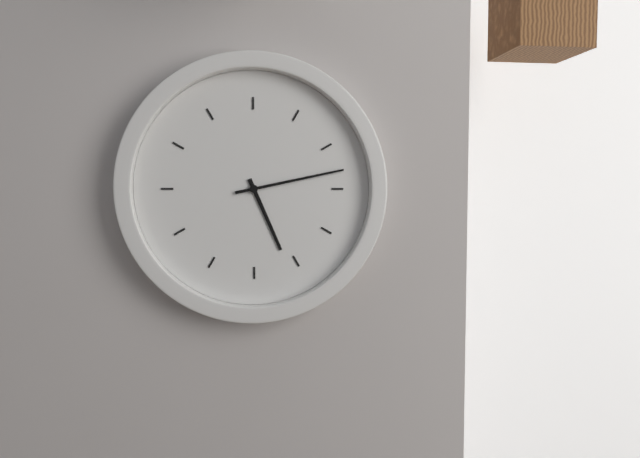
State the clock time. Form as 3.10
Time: 5.13
